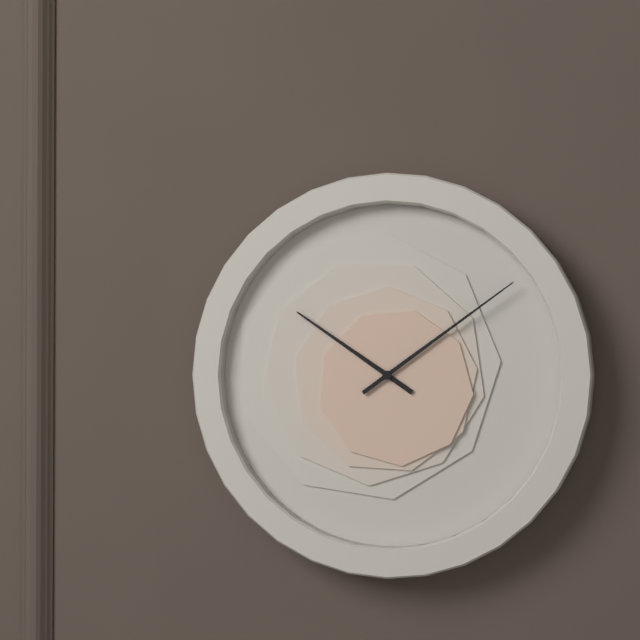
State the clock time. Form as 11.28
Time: 10.09
